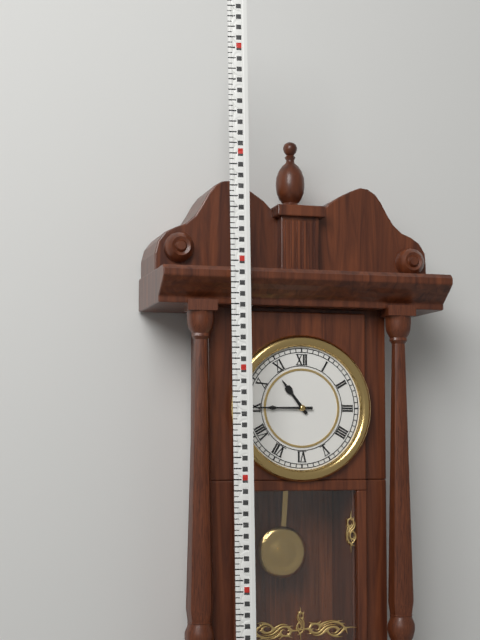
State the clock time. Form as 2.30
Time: 10.45
